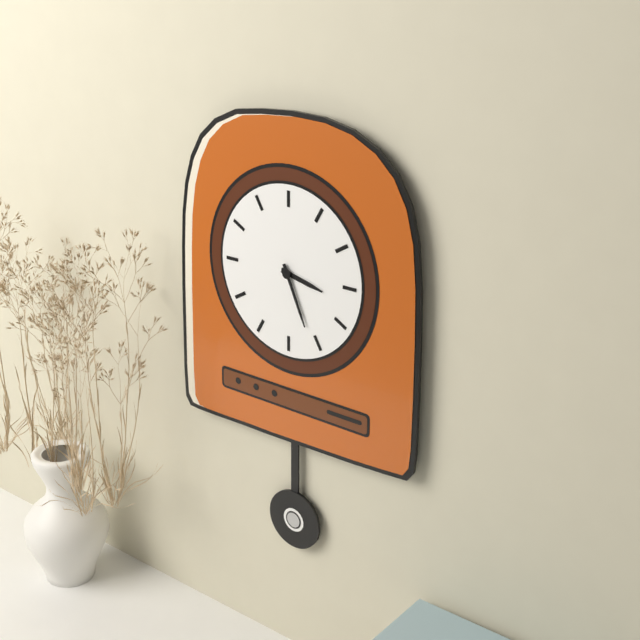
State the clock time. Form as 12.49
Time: 3.26
